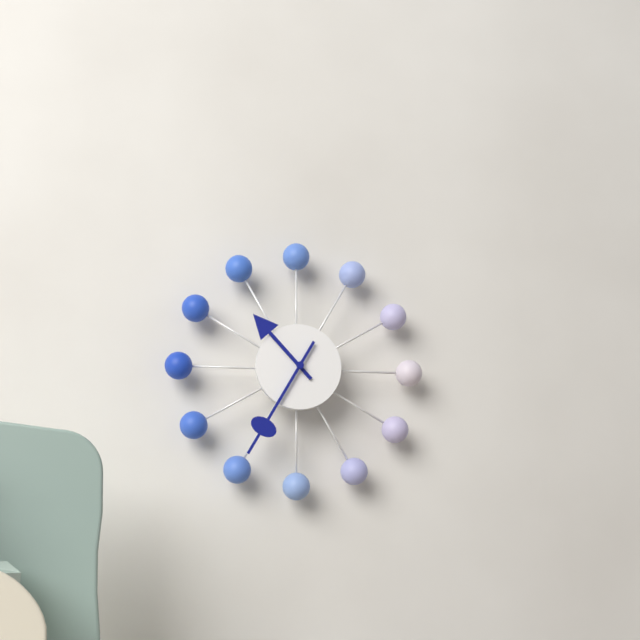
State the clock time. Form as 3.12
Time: 10.35
